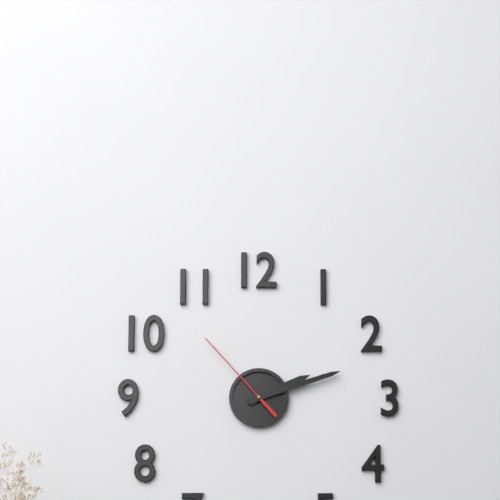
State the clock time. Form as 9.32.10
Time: 2.12.53
